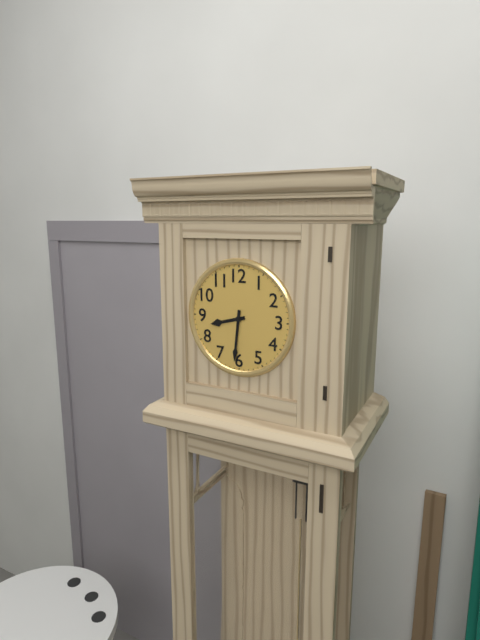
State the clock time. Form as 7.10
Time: 8.31
